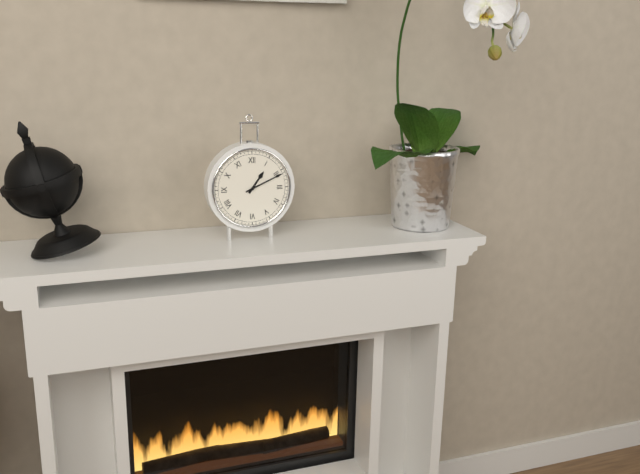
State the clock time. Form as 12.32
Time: 1.11
